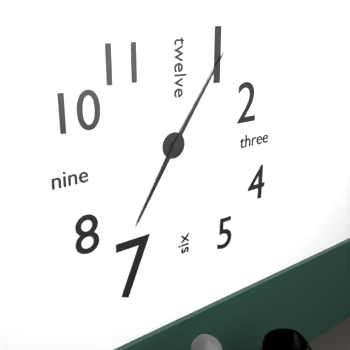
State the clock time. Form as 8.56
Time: 7.06
